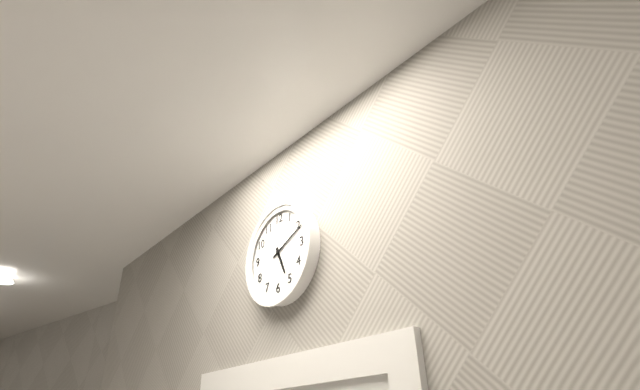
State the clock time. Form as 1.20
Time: 5.11
